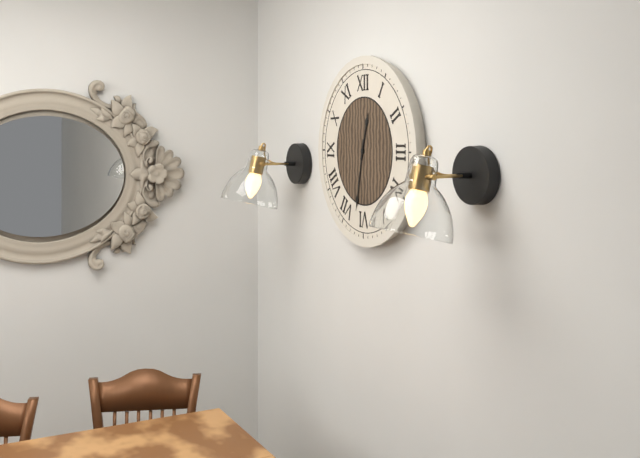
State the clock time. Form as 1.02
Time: 12.32
